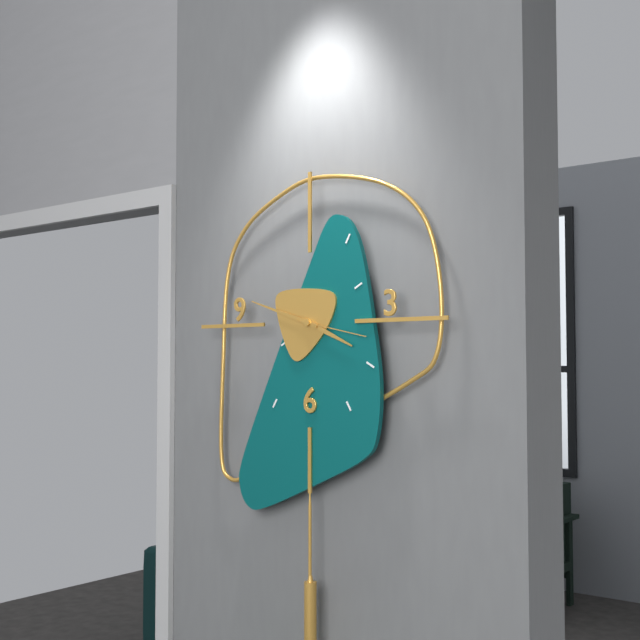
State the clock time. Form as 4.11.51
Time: 3.48.17
